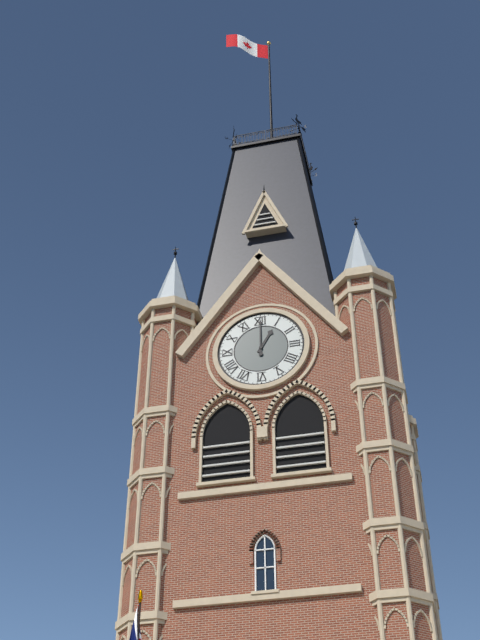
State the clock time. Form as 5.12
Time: 1.00
